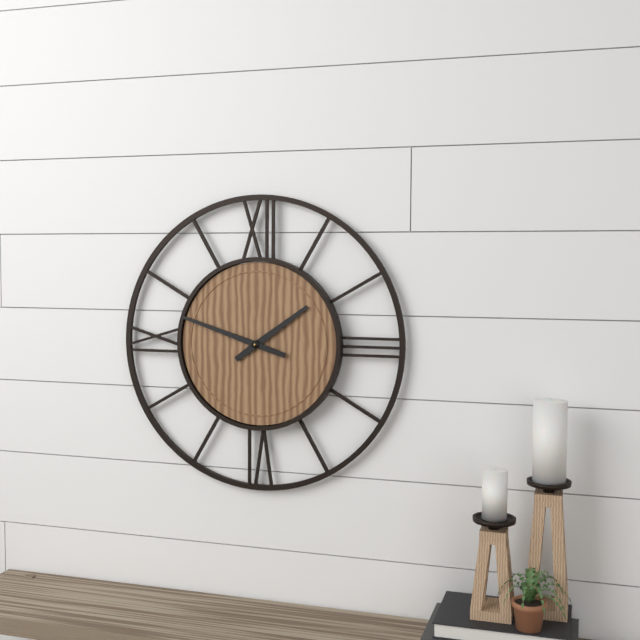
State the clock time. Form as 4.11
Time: 1.48
